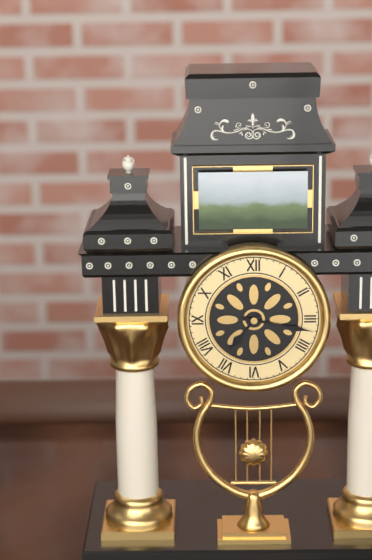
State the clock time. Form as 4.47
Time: 7.17
